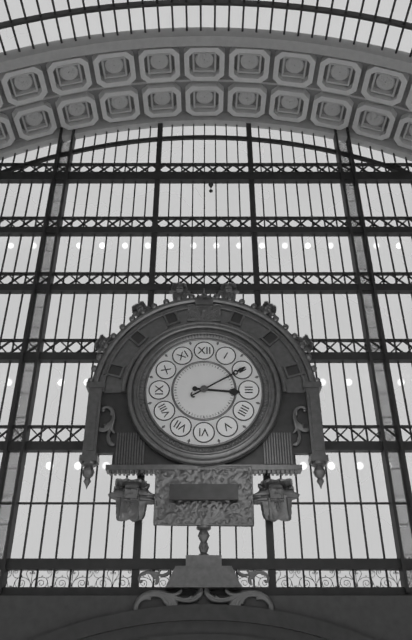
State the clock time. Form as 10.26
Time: 3.10
